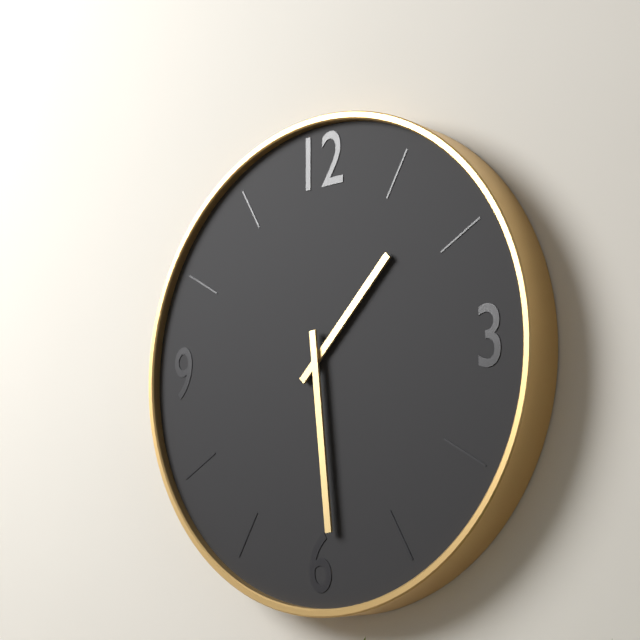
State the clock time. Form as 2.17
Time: 1.29
